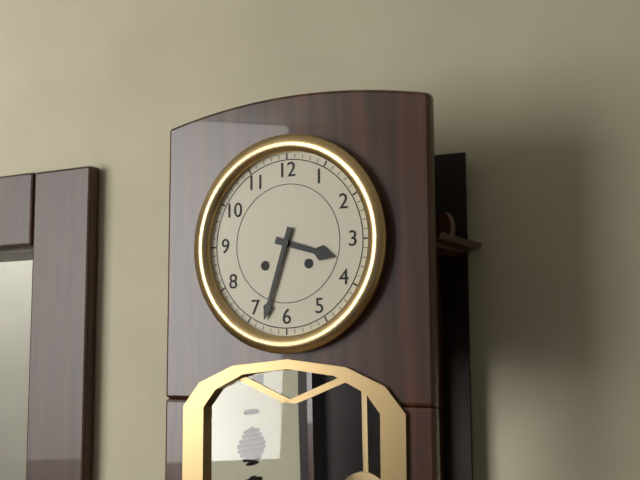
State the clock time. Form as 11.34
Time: 3.33
